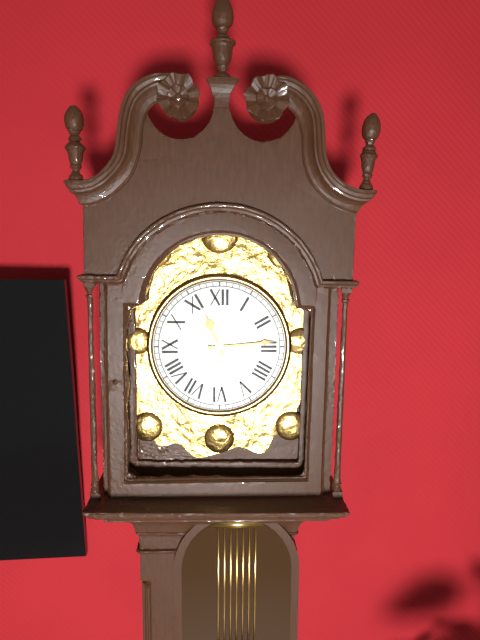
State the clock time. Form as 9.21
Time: 11.14
